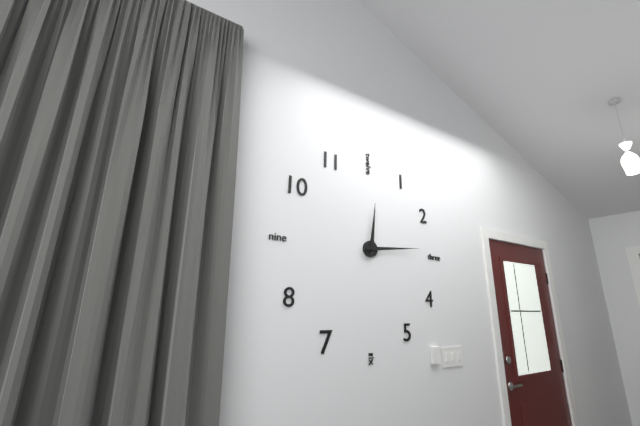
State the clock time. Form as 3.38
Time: 12.14
